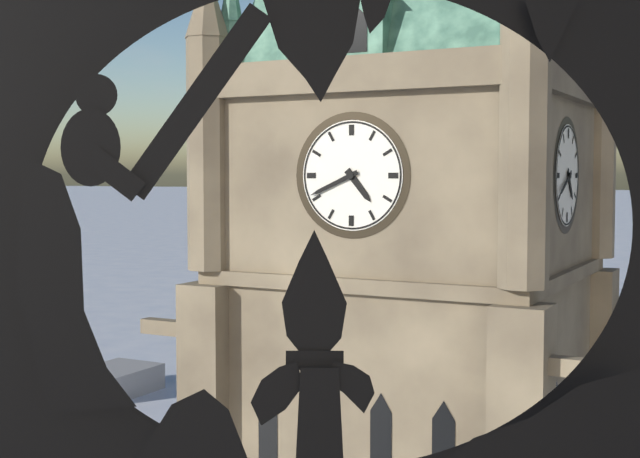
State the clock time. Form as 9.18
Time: 4.41
